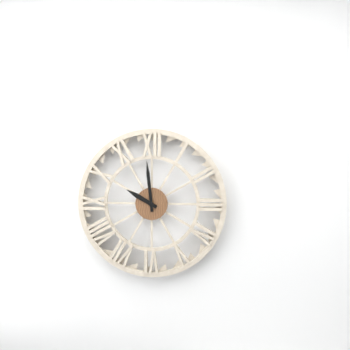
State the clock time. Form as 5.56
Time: 9.59
